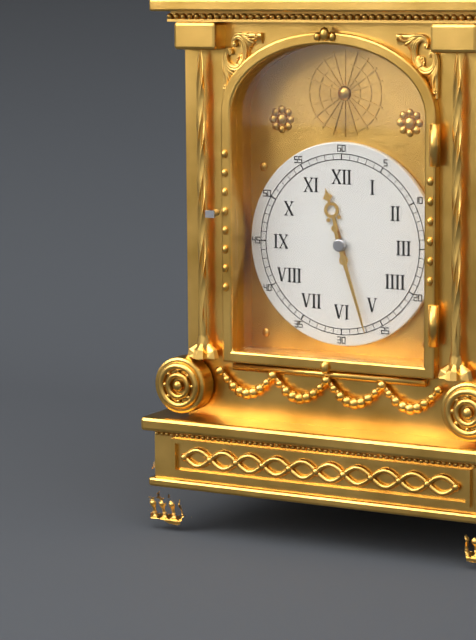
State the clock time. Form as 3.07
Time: 11.27
